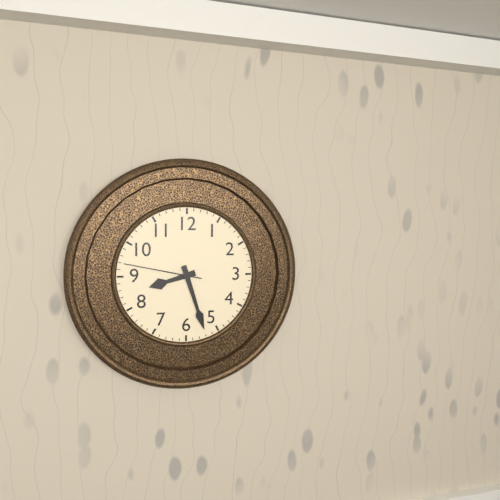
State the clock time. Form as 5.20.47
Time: 8.27.47
